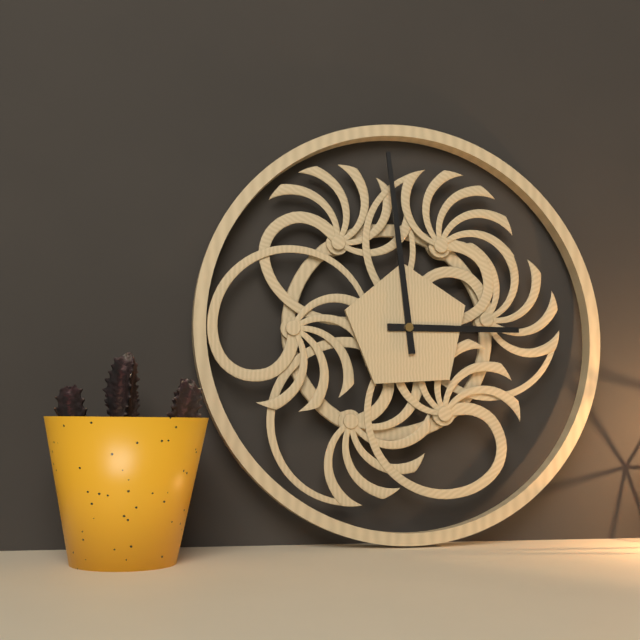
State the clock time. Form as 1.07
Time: 2.59
